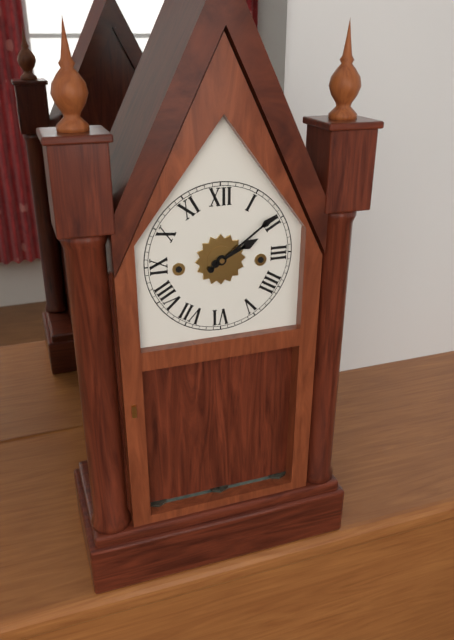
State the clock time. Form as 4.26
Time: 2.09
